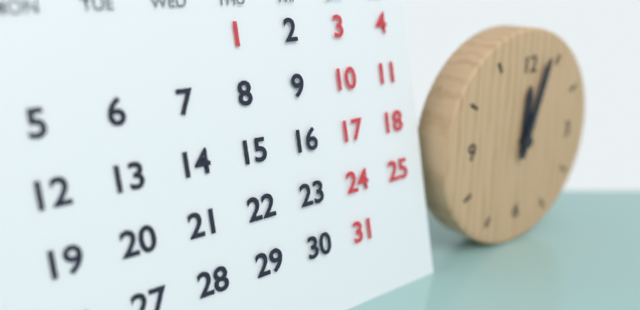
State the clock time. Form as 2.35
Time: 12.03
